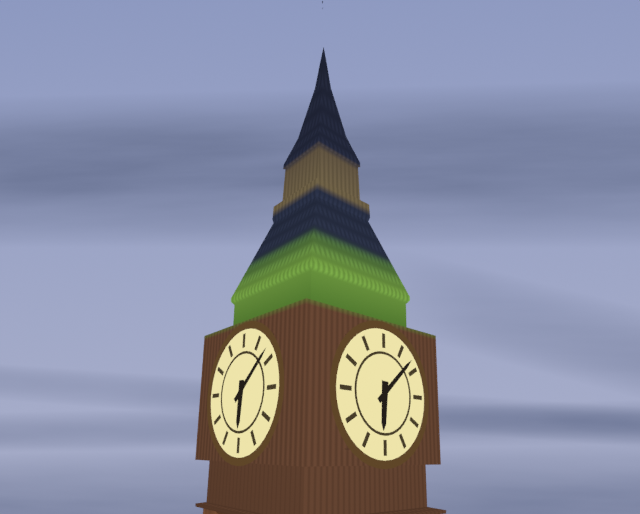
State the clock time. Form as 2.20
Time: 6.08
